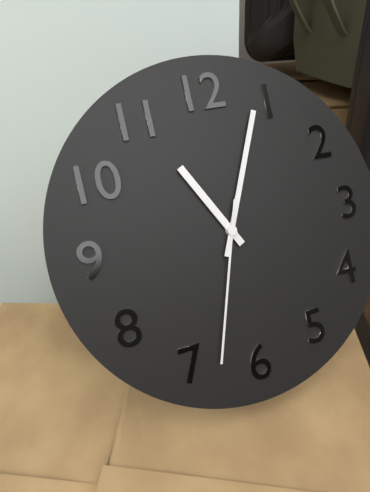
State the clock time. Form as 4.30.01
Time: 11.04.33
